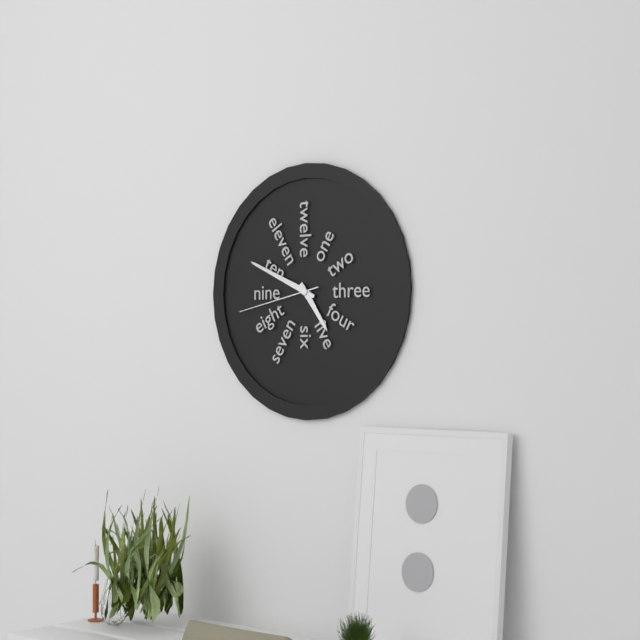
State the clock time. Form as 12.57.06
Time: 4.49.43
